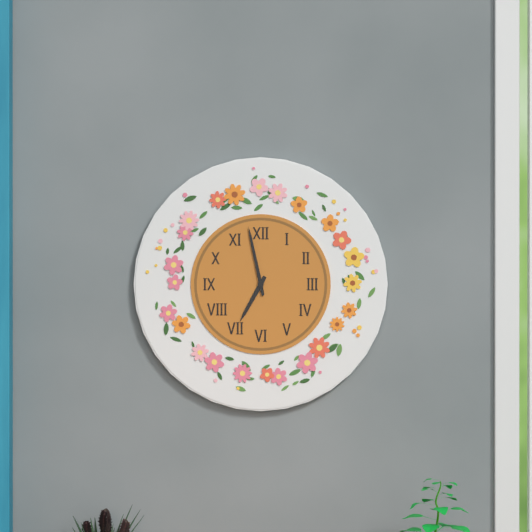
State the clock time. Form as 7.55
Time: 6.58
